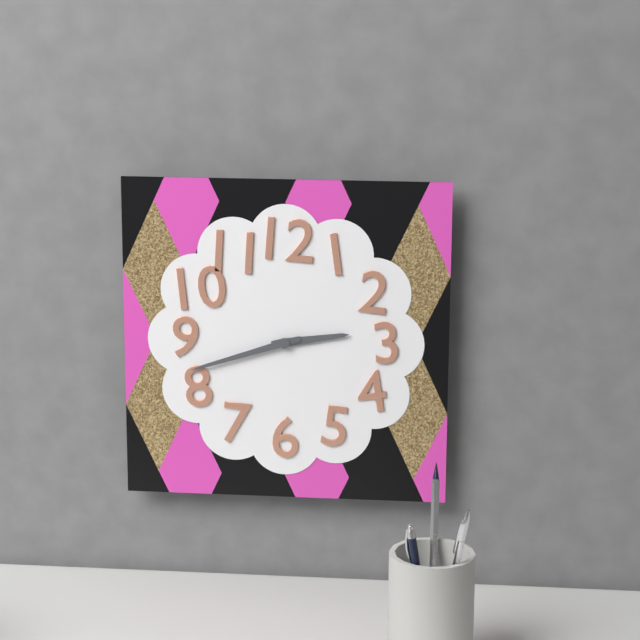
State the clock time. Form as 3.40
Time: 2.42
